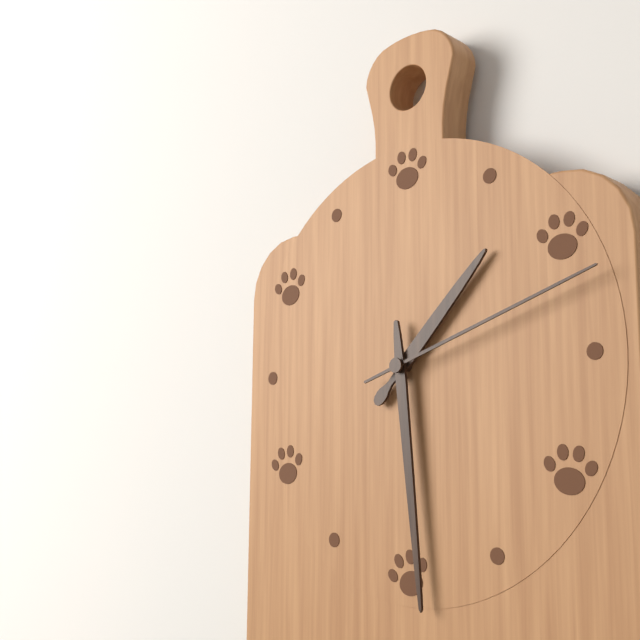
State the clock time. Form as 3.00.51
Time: 1.29.12
